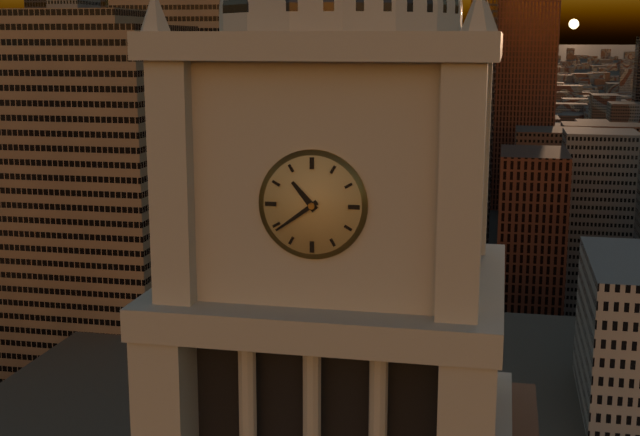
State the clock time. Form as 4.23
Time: 10.39
